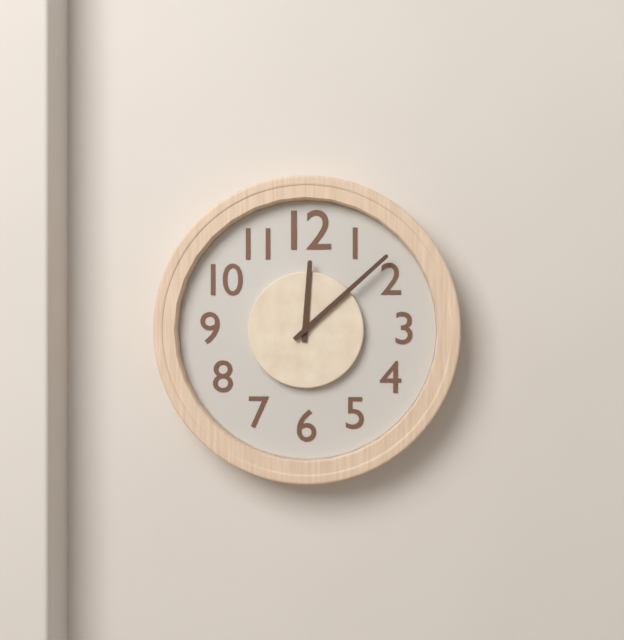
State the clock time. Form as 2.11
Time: 12.08
